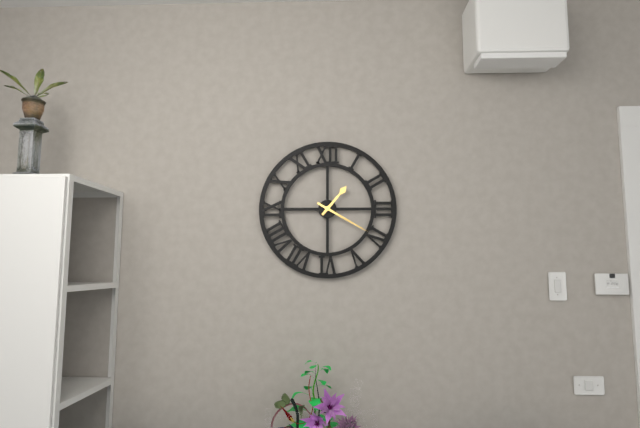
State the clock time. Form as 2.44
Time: 1.20
